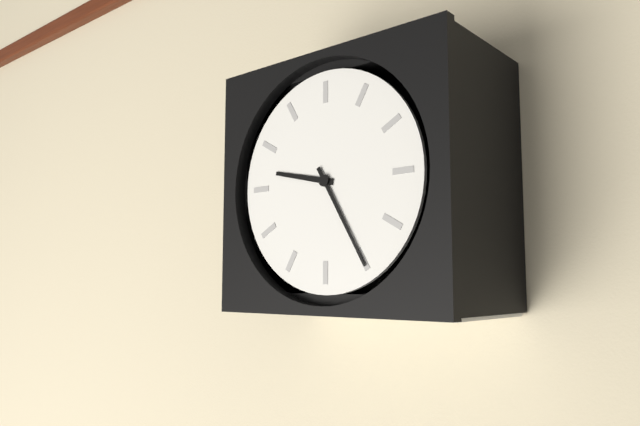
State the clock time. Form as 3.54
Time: 9.25
